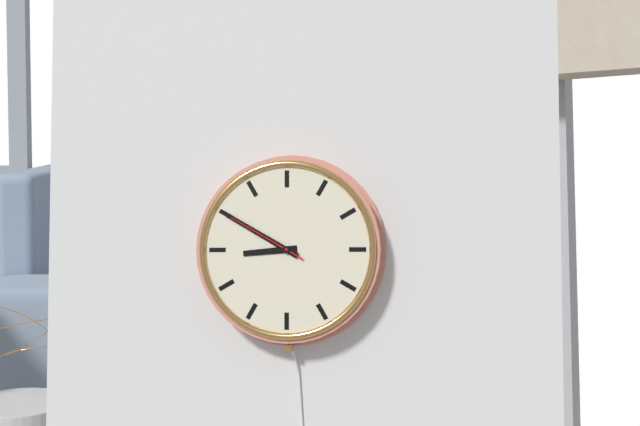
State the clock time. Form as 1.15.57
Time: 8.50.50
